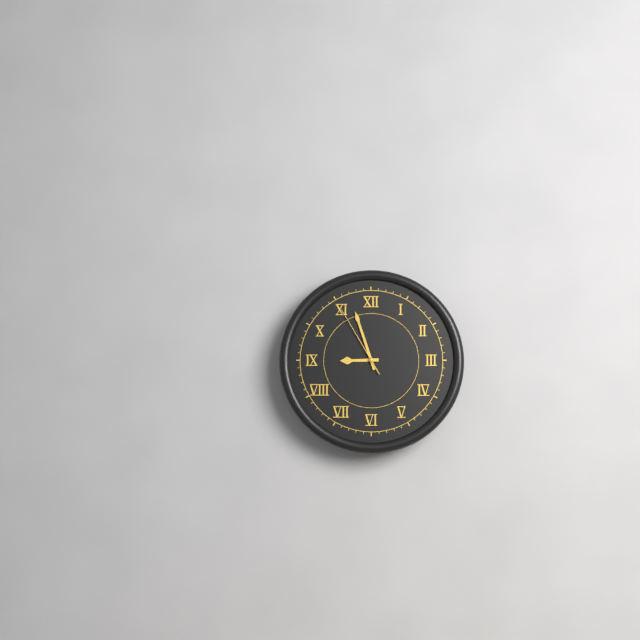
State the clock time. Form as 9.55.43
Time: 8.57.55
